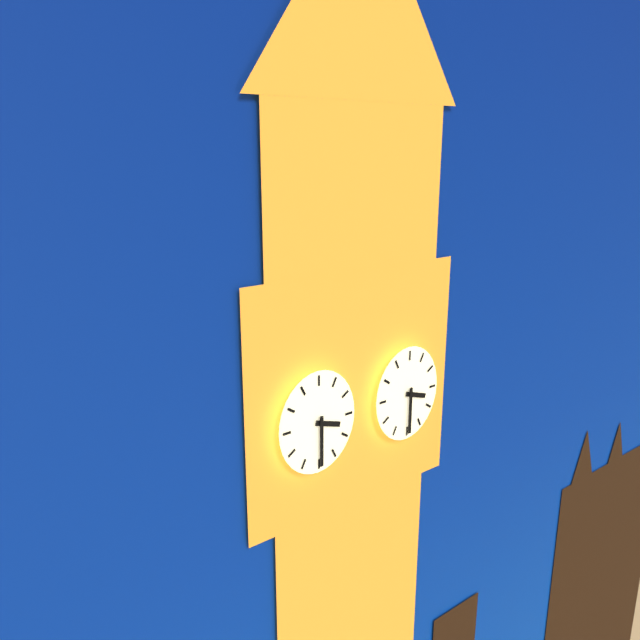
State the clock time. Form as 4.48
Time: 3.30
